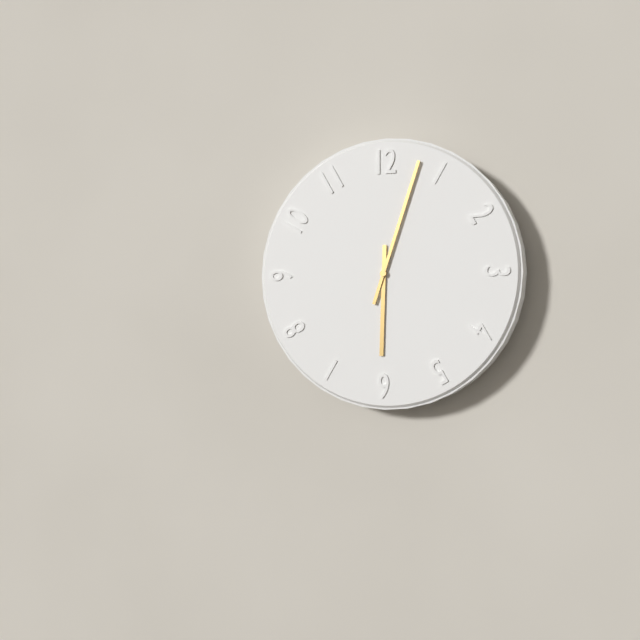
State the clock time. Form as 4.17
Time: 6.03
